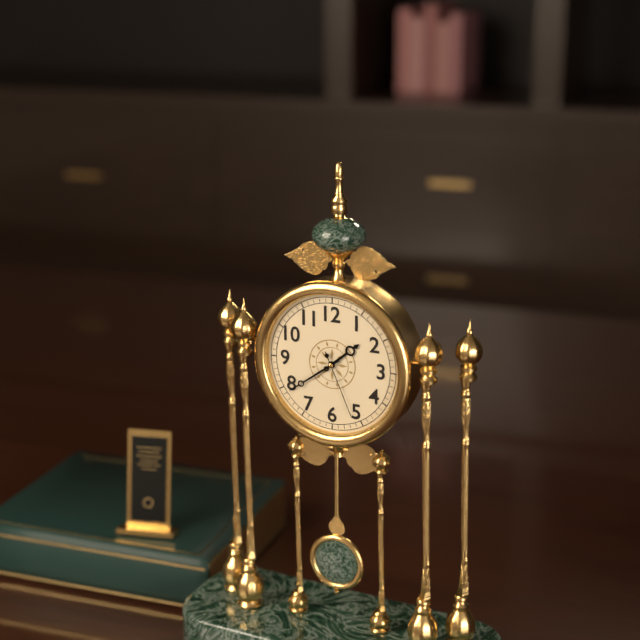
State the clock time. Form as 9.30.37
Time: 1.39.26
